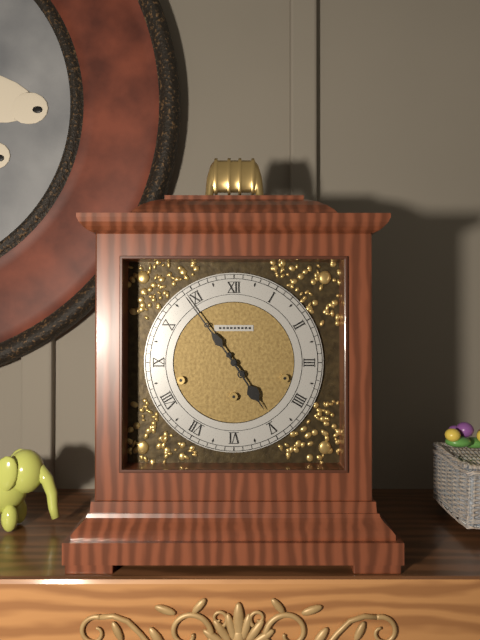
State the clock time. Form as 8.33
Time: 4.54
